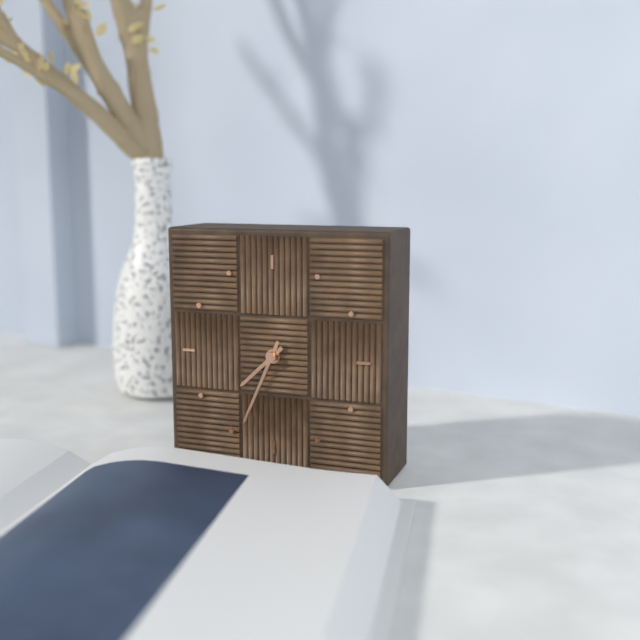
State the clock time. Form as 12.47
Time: 7.34
